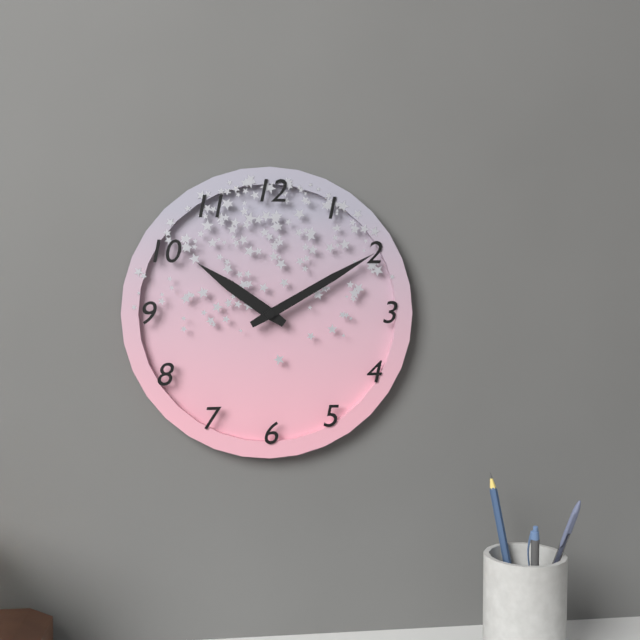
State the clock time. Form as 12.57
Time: 10.10
